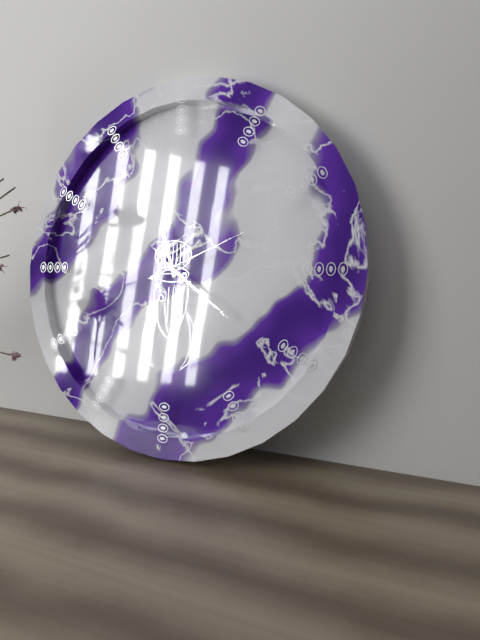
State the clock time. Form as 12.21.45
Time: 11.21.11
